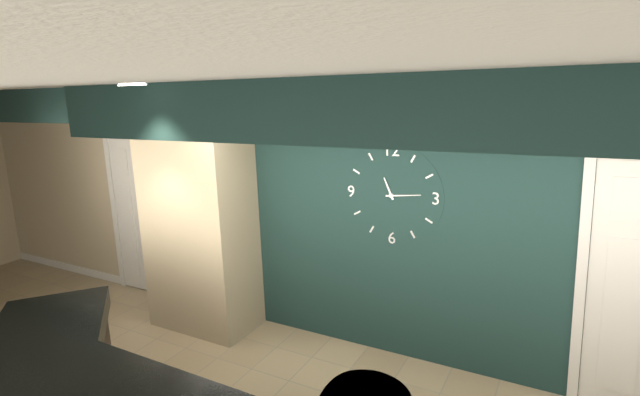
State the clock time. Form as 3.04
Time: 11.14
